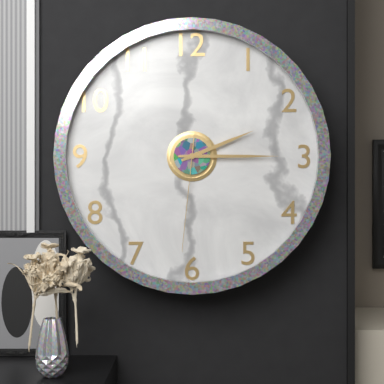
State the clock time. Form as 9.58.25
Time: 2.15.31
